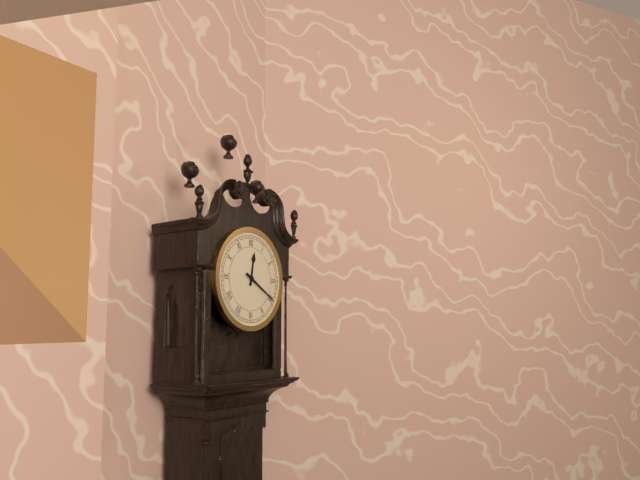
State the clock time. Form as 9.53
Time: 12.20
